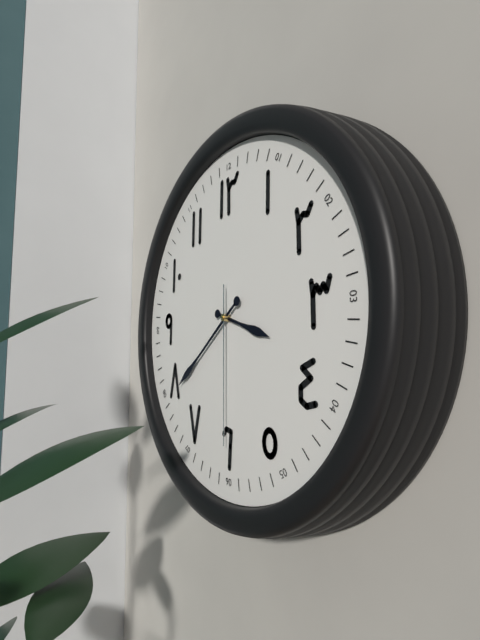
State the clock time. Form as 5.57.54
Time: 3.39.30
